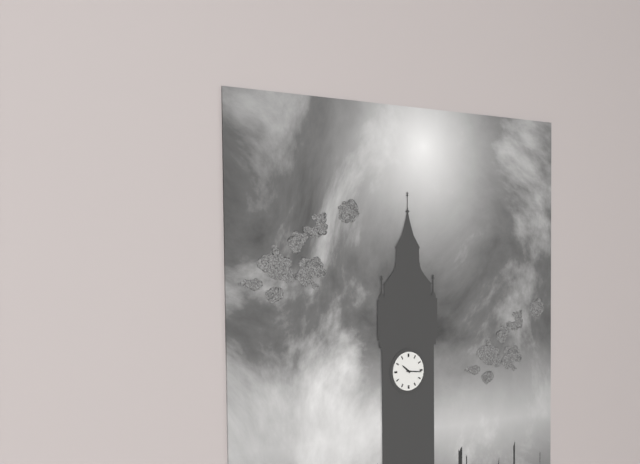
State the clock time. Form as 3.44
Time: 10.16
